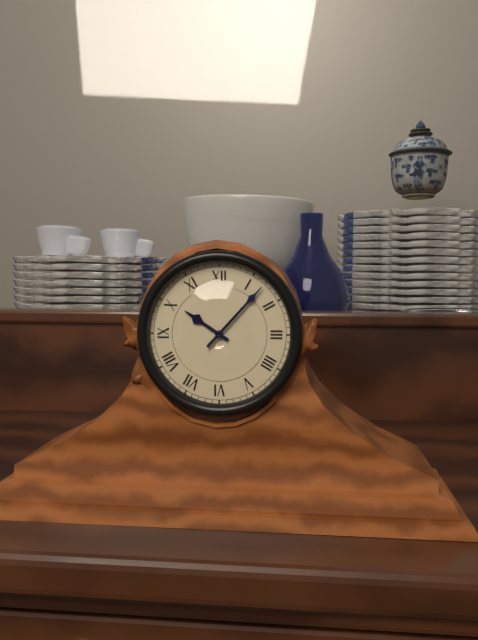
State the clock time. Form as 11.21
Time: 10.07
